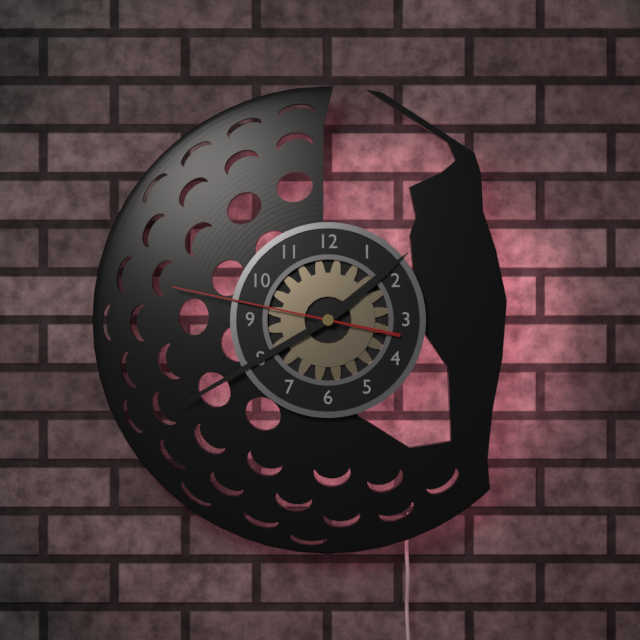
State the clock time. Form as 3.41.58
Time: 1.40.47
